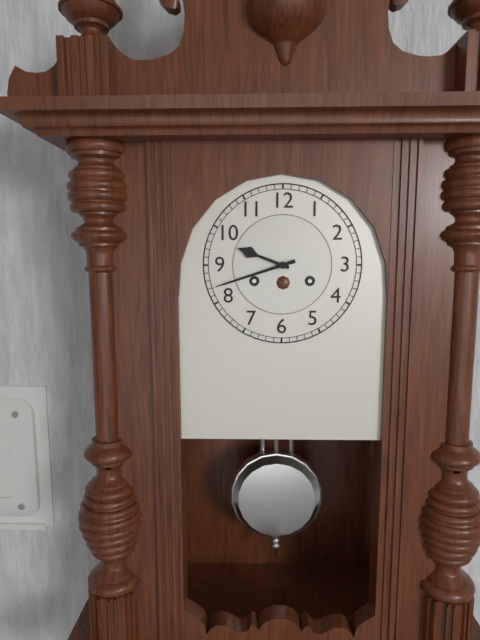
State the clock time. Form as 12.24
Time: 9.42
